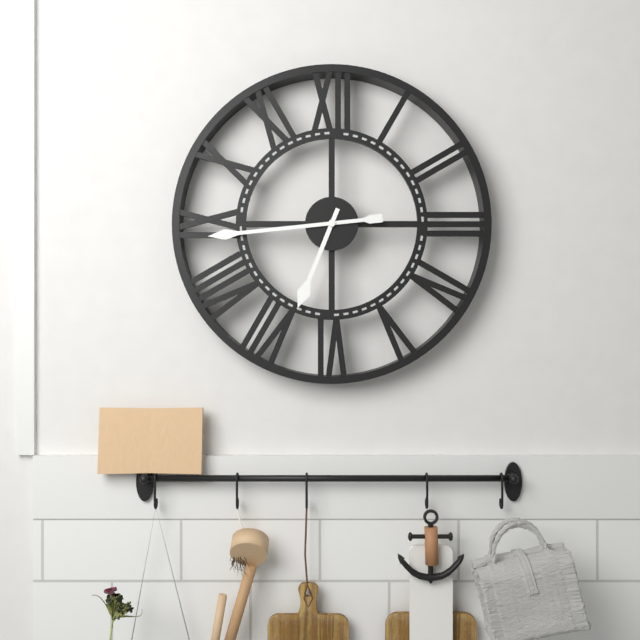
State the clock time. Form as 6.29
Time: 6.44
